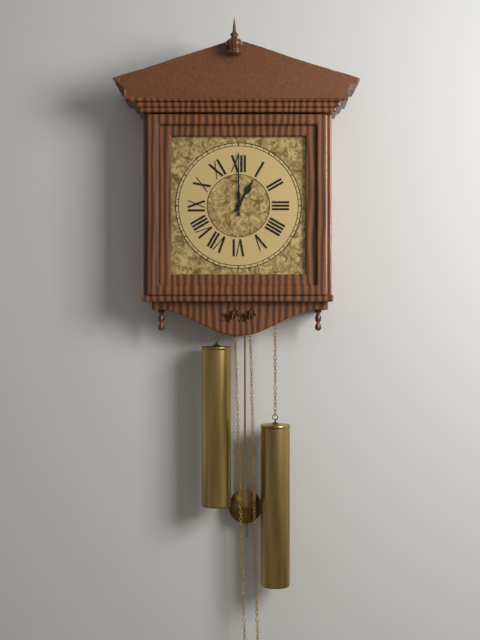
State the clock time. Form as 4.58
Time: 1.00
